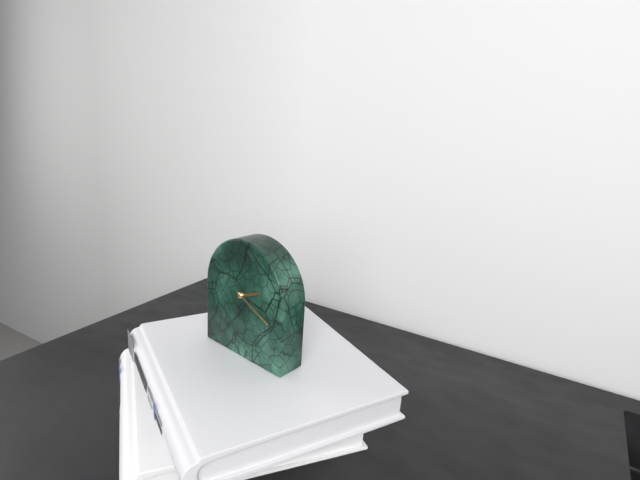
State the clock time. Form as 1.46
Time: 2.19
